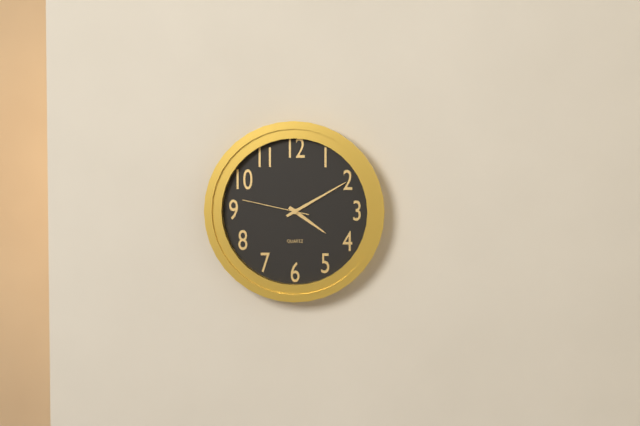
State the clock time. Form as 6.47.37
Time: 4.10.47
